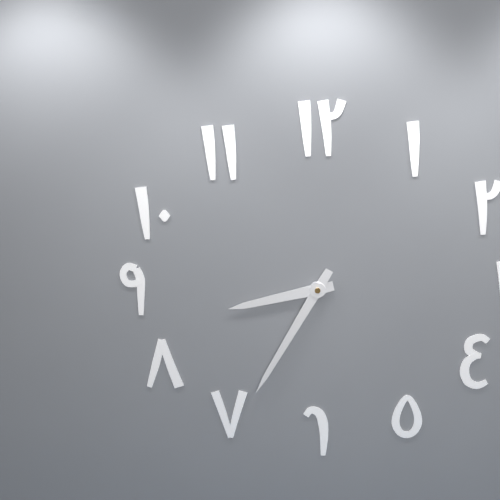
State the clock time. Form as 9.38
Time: 8.35
